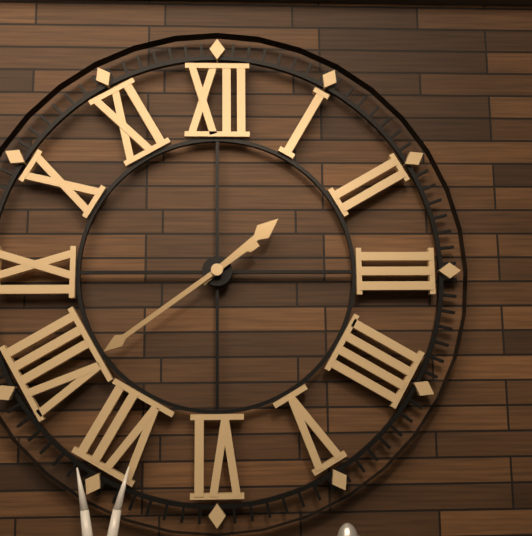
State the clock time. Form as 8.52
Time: 1.39
